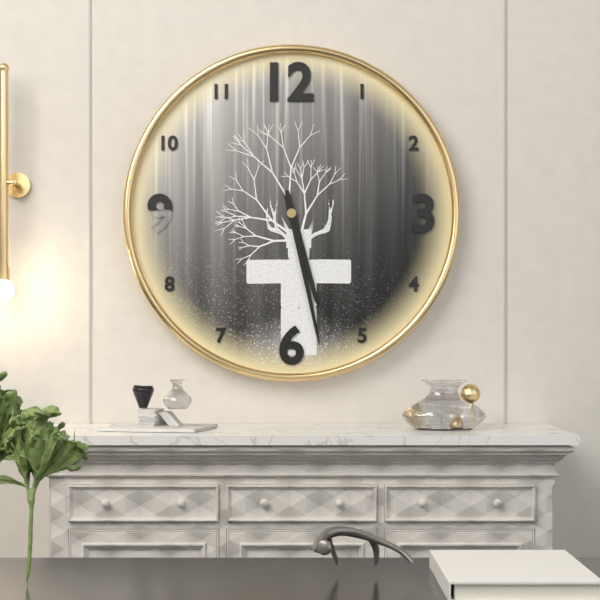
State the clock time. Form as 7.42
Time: 5.28
